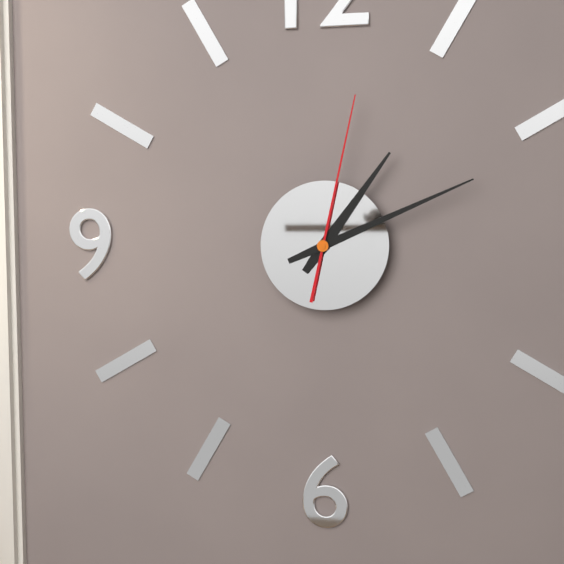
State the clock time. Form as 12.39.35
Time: 1.11.02
